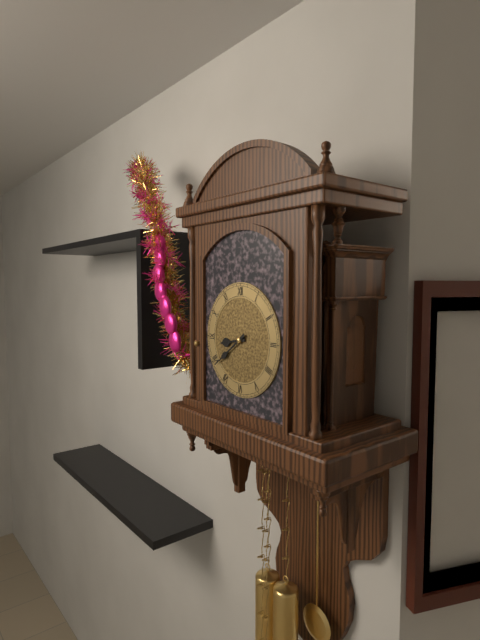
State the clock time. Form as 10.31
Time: 8.39
